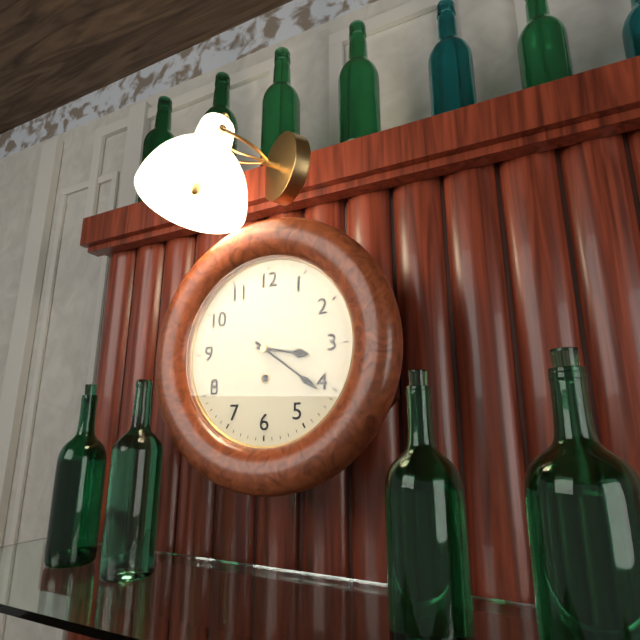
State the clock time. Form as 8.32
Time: 3.21
